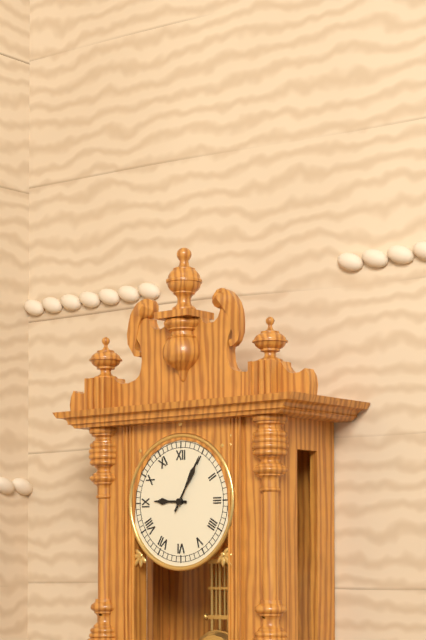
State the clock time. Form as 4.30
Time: 9.05
